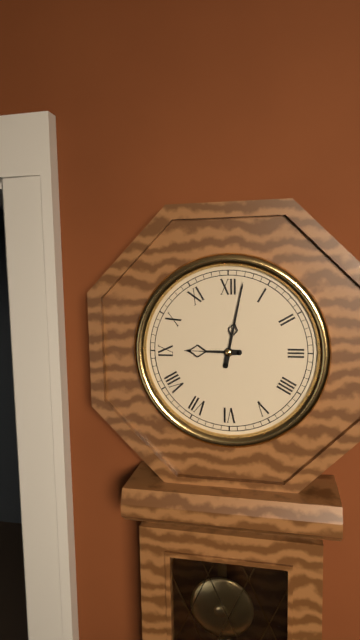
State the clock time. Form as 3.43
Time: 9.02
